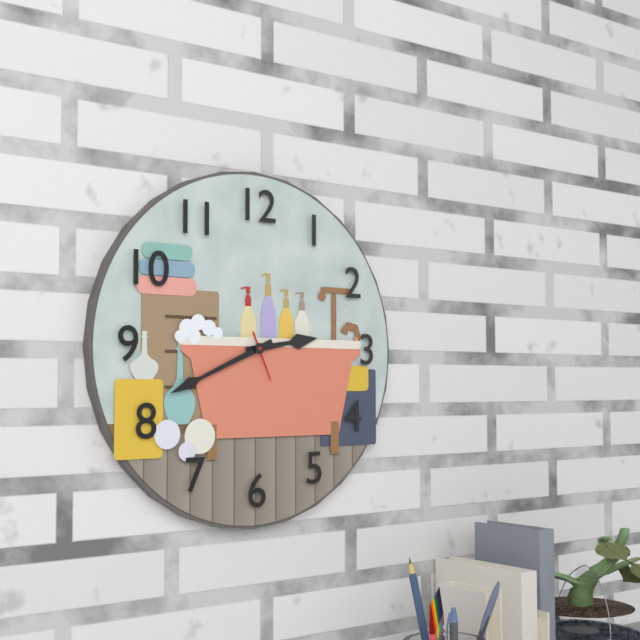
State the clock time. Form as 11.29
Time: 2.41
